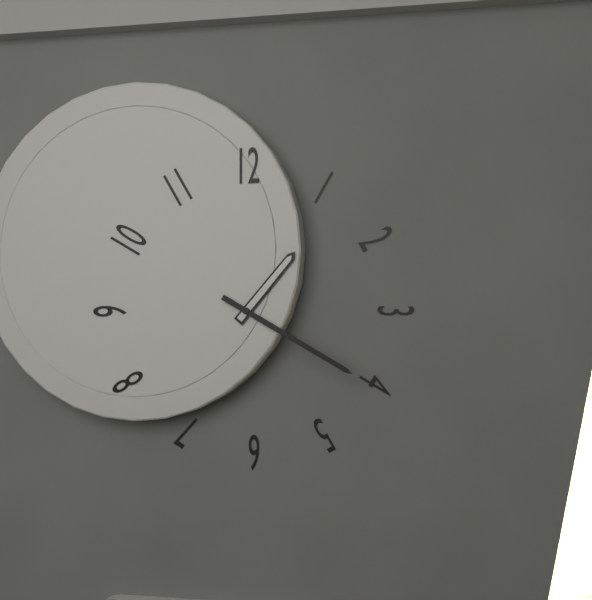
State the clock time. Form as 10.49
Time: 1.20
